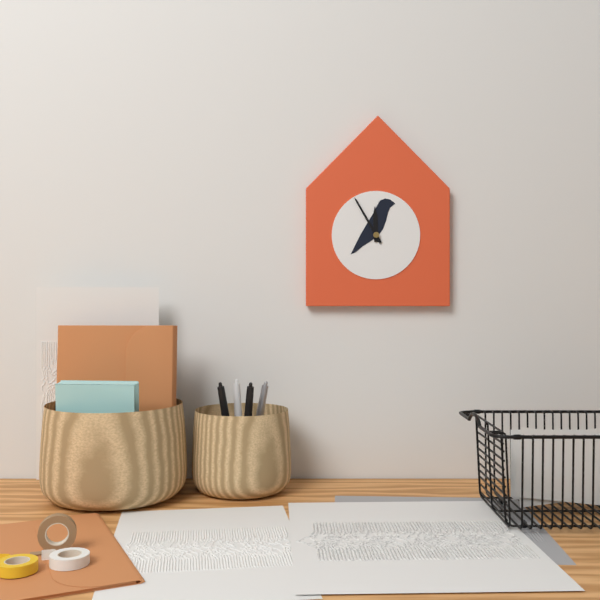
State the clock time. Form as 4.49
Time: 11.55
